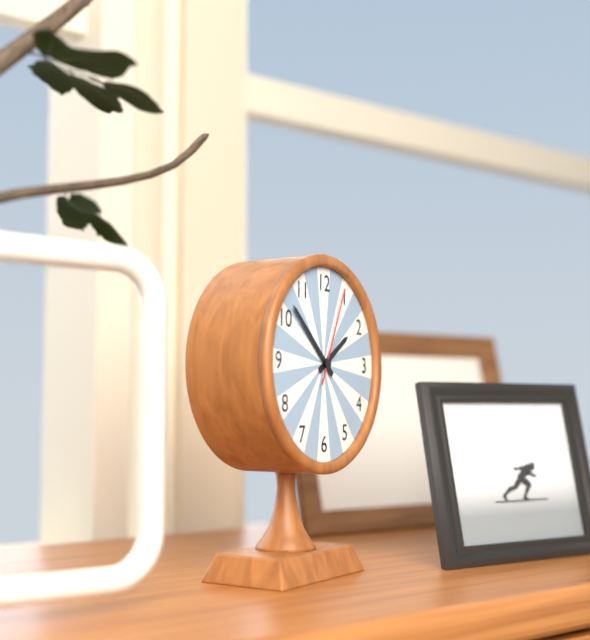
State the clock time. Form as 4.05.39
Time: 1.52.04
